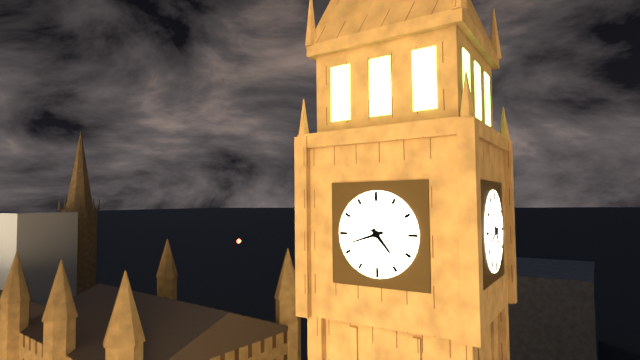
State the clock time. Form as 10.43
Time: 4.42
